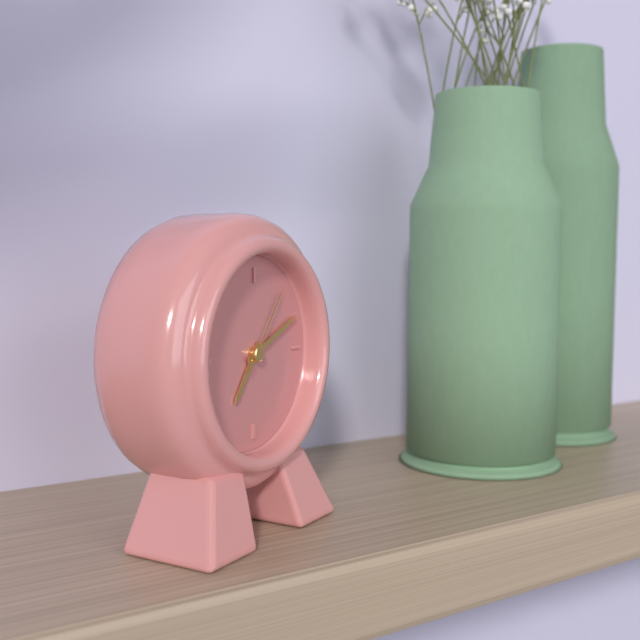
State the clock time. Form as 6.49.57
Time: 7.11.06
